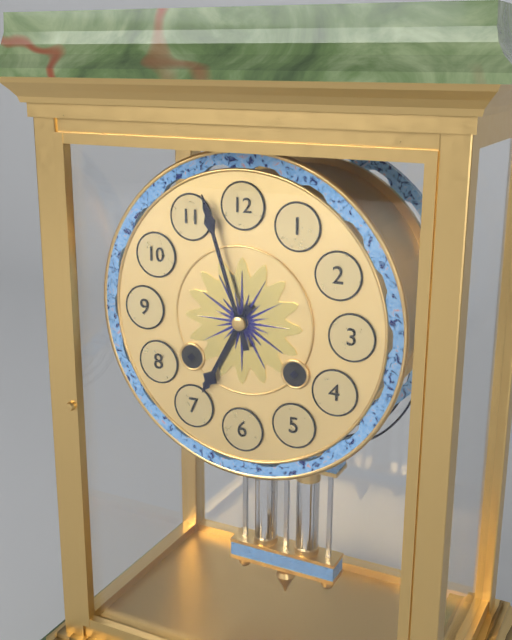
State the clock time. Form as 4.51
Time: 6.57
